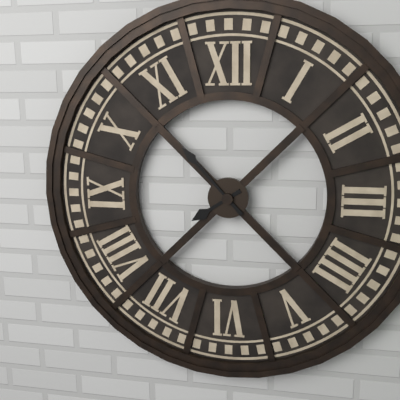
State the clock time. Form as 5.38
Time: 7.53
